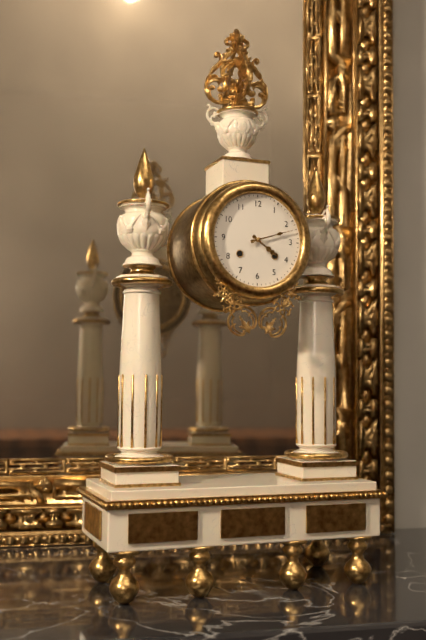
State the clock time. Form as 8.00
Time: 4.12
